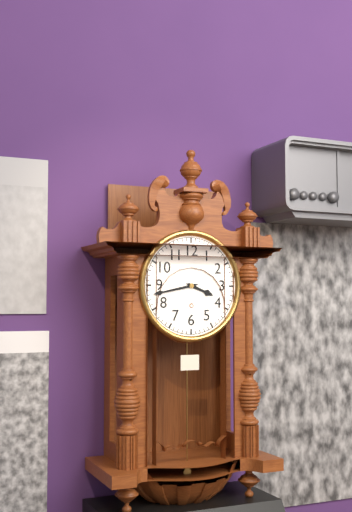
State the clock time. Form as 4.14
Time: 3.43
